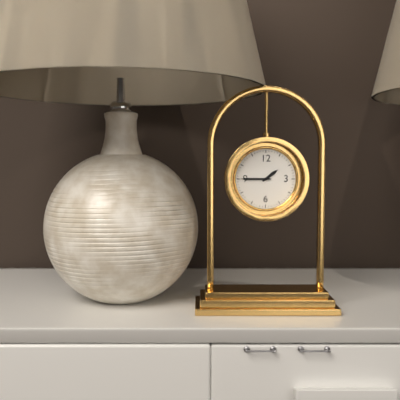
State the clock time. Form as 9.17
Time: 1.45
